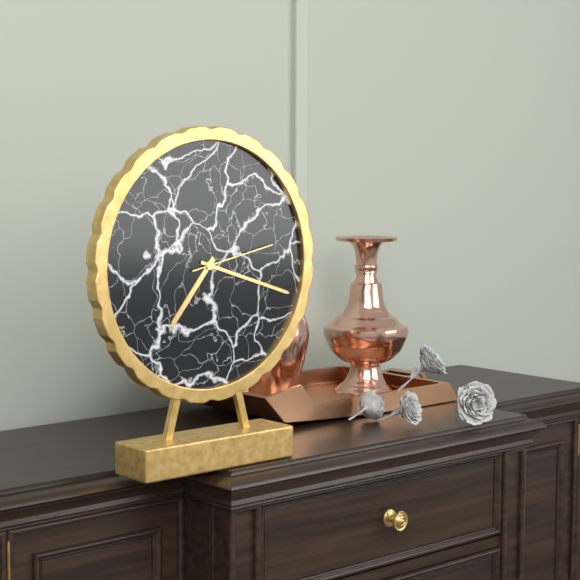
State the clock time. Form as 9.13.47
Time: 7.18.13
